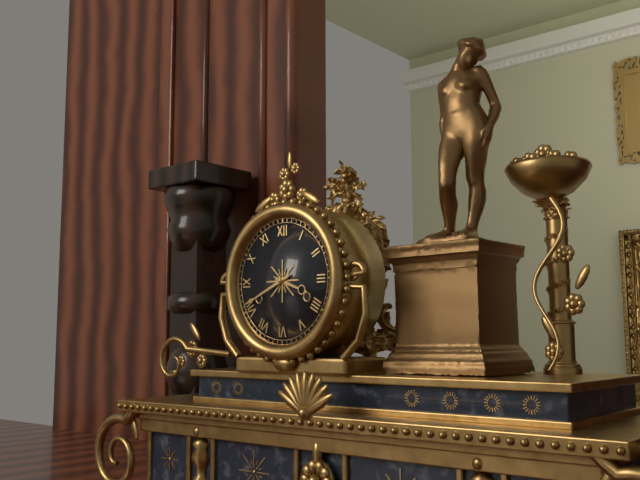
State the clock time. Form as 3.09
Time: 3.41
